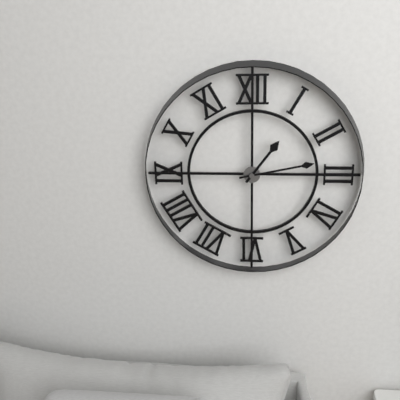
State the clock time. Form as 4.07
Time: 1.13
